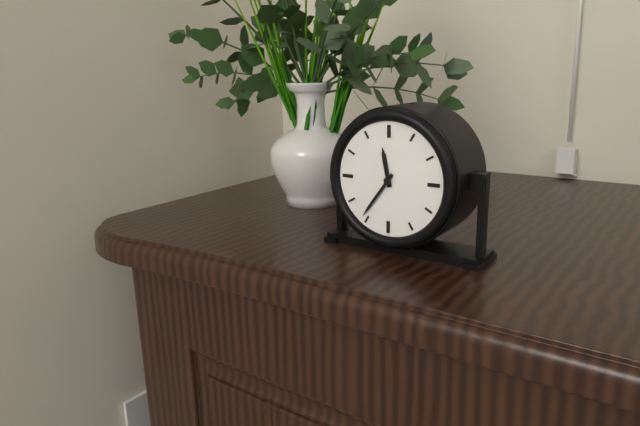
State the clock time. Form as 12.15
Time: 11.36
